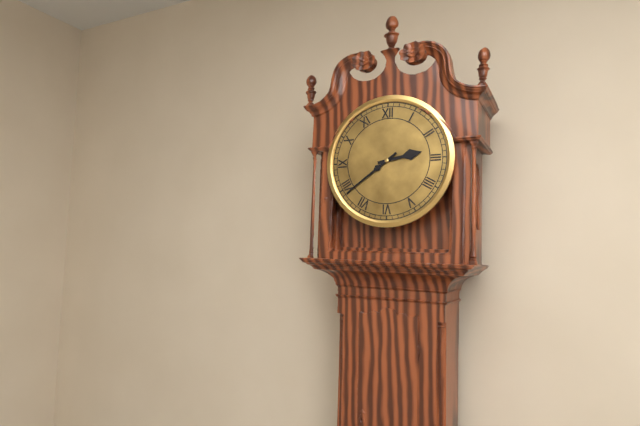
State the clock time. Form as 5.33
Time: 2.39
